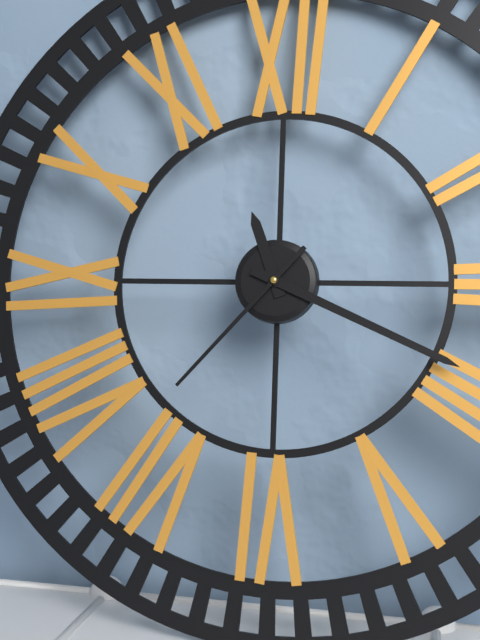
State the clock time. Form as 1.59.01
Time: 11.19.37
